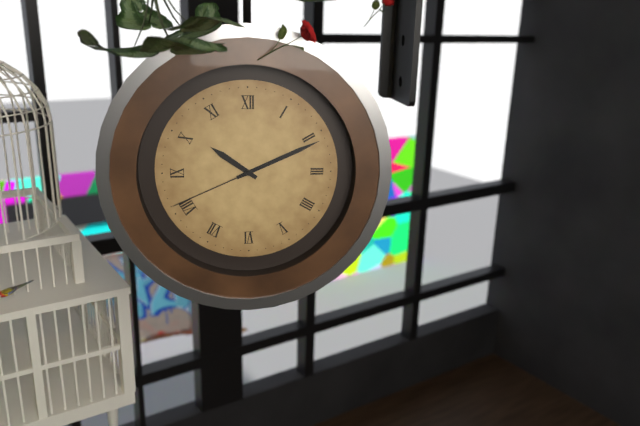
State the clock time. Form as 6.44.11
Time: 10.11.41
